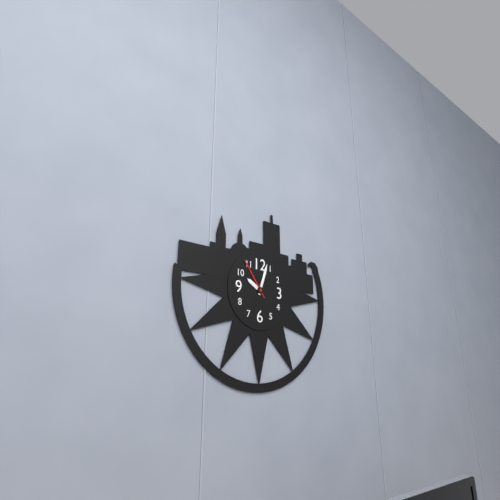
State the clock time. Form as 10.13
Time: 10.03
